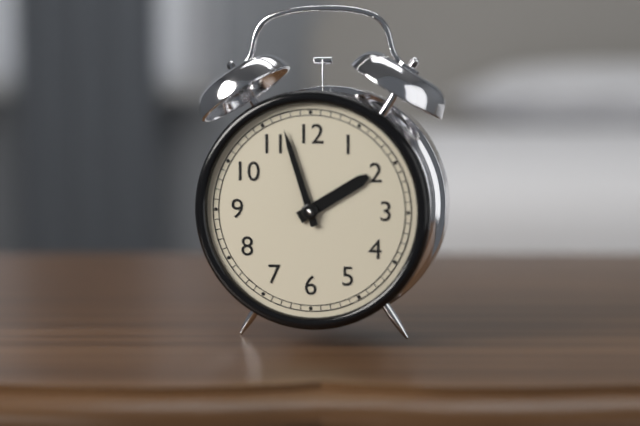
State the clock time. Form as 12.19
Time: 1.57
